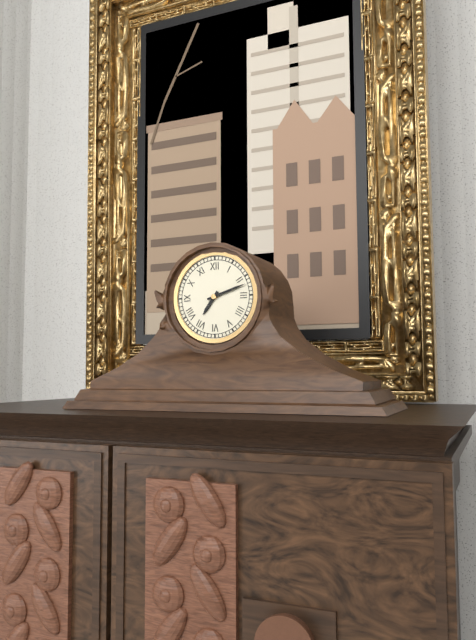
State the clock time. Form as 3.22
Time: 7.12
